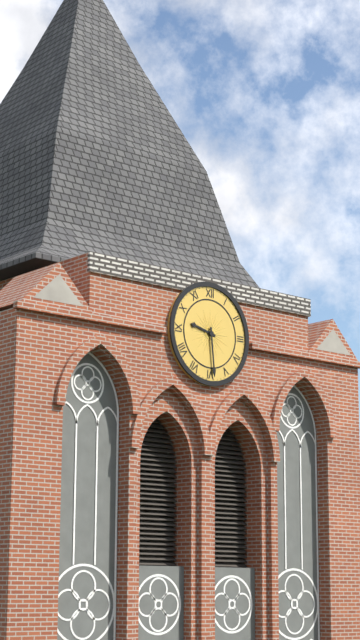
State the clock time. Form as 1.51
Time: 9.29
